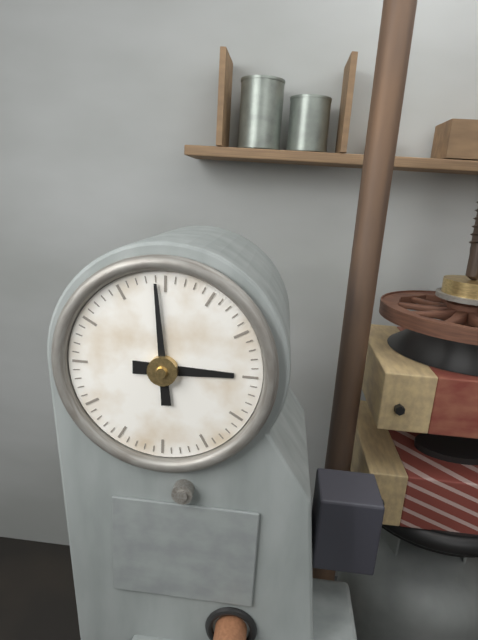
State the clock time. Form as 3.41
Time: 2.59
